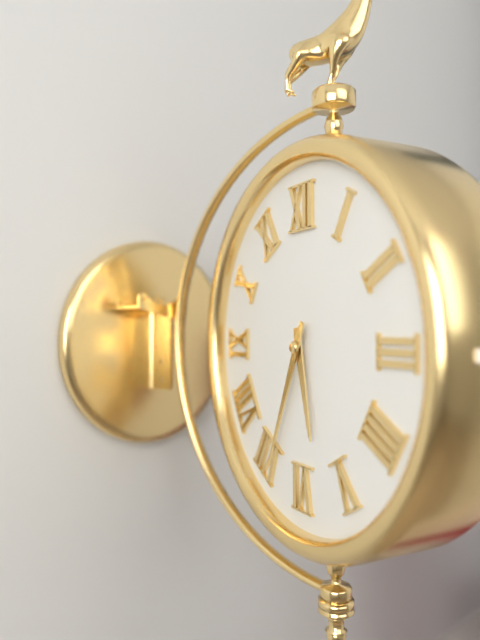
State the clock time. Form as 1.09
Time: 5.34
